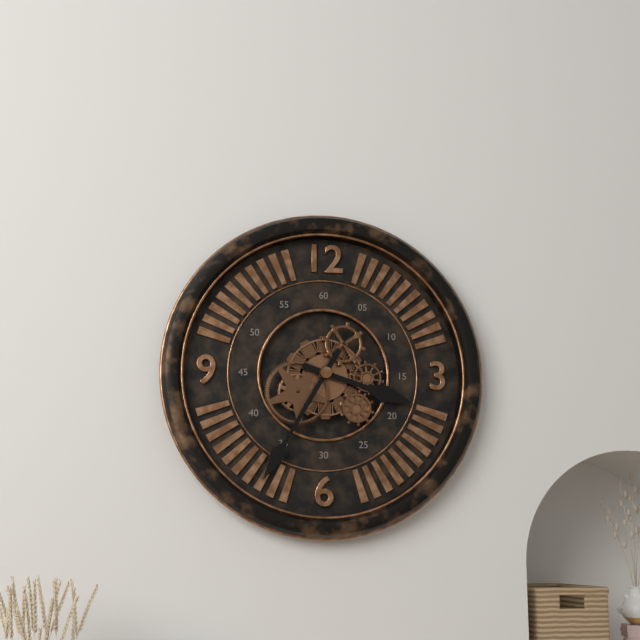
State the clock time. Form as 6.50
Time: 3.35
